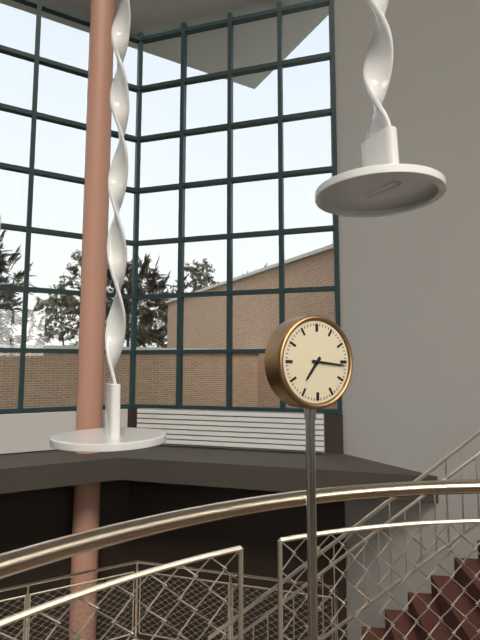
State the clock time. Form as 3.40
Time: 7.16
